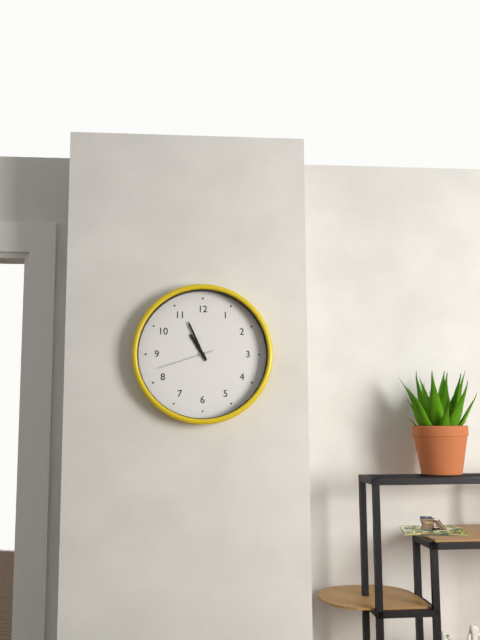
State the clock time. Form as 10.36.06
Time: 10.56.42
